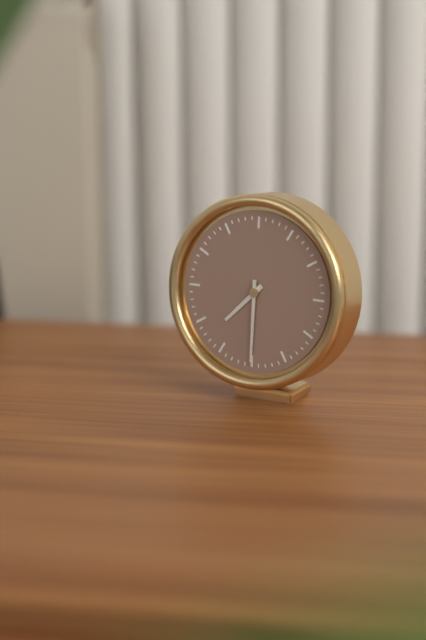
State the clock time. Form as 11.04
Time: 7.30
